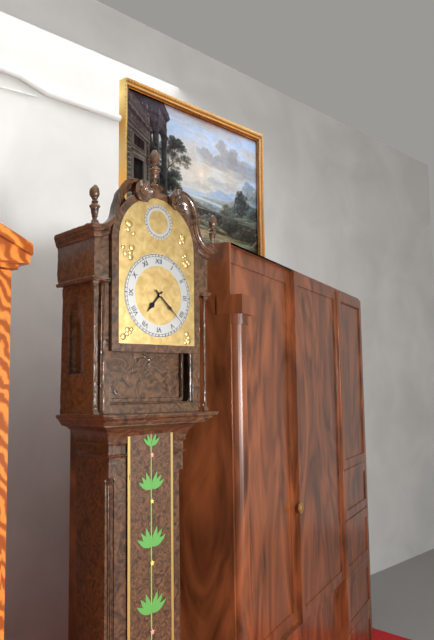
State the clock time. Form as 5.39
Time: 7.22
